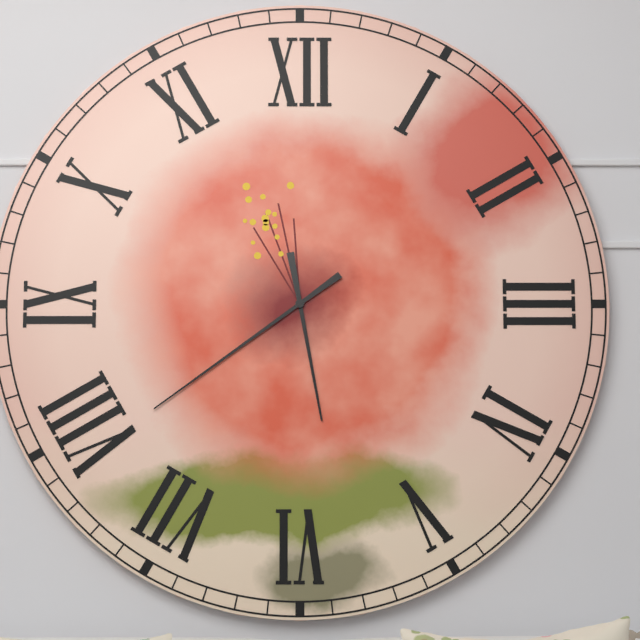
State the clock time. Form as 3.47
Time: 5.39
